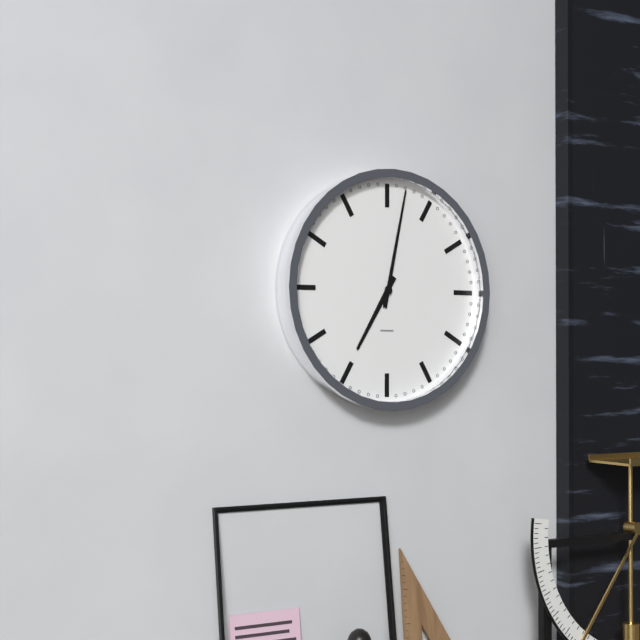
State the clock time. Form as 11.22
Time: 7.02
